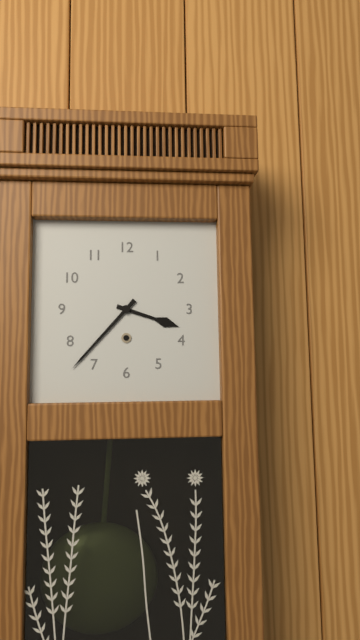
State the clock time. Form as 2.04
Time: 3.37
